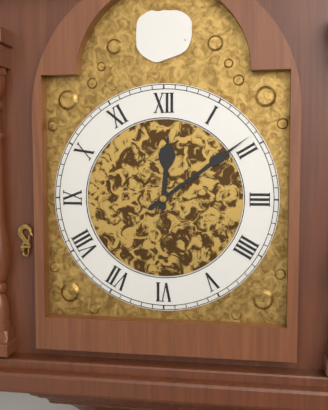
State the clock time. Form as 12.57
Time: 12.09
